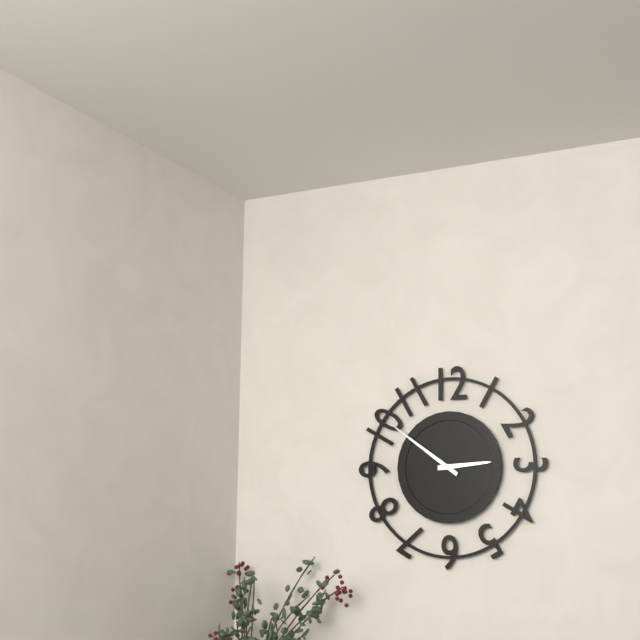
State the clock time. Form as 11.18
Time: 2.51
